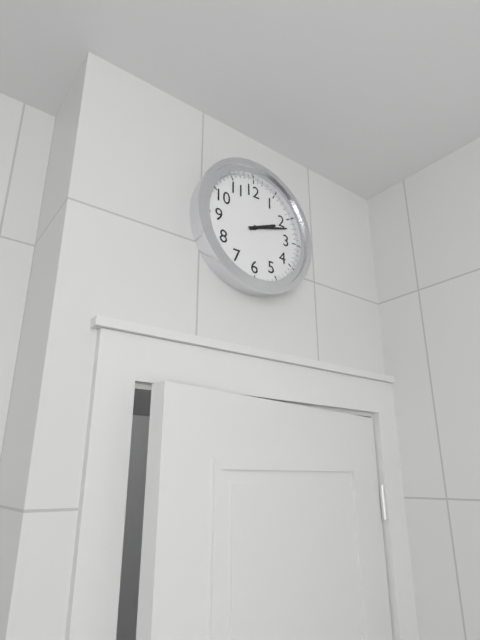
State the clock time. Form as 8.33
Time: 2.12
